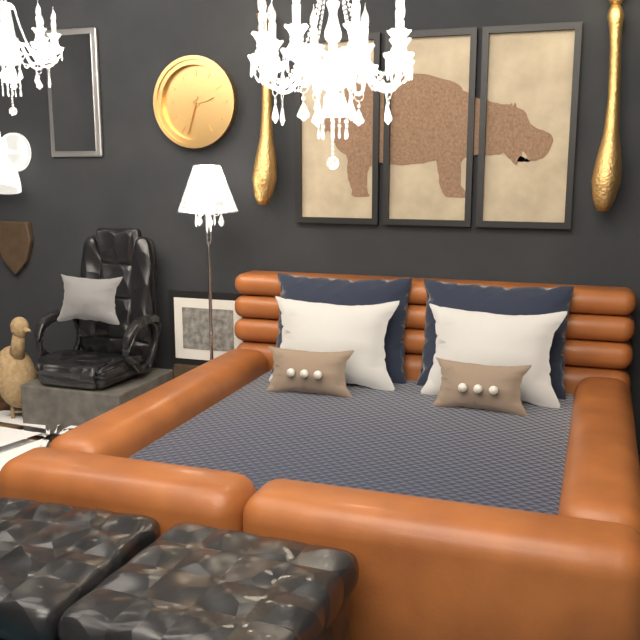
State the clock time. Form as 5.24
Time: 2.33
